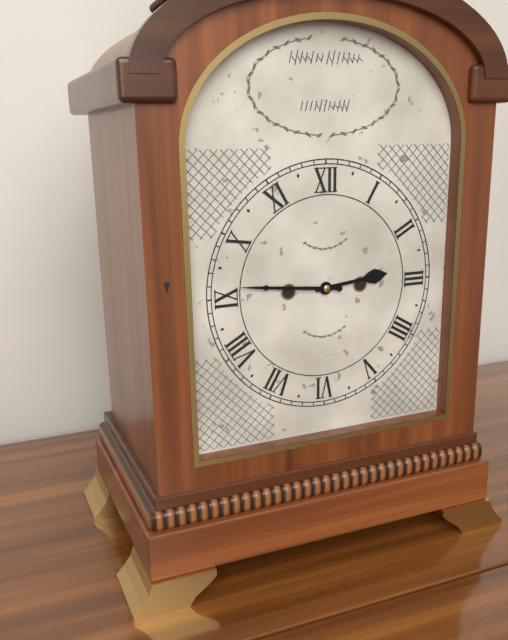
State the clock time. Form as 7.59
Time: 2.46
